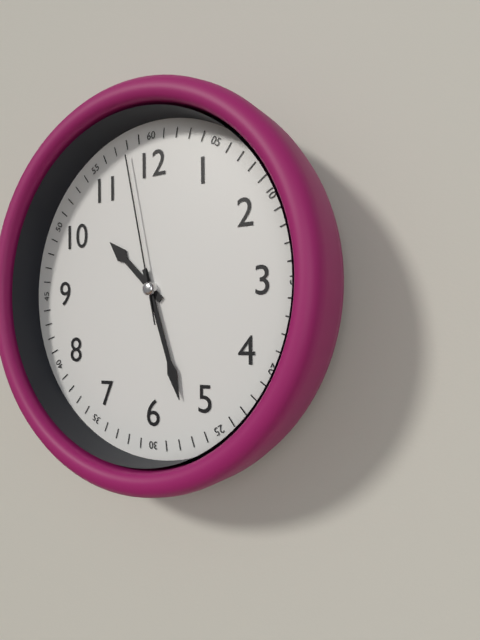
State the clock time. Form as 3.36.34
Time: 10.27.58
